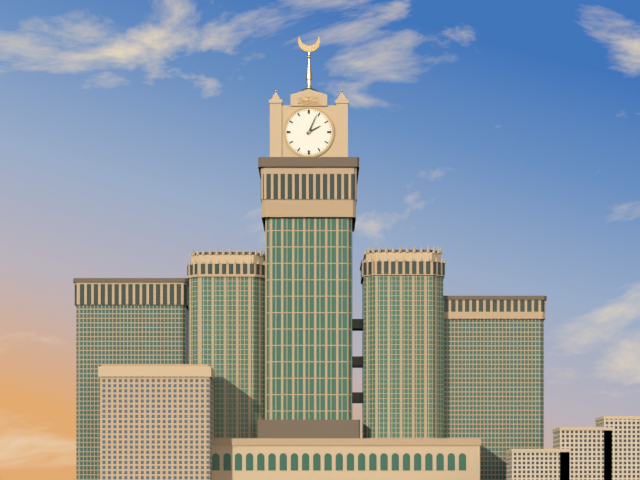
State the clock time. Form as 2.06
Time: 2.04
